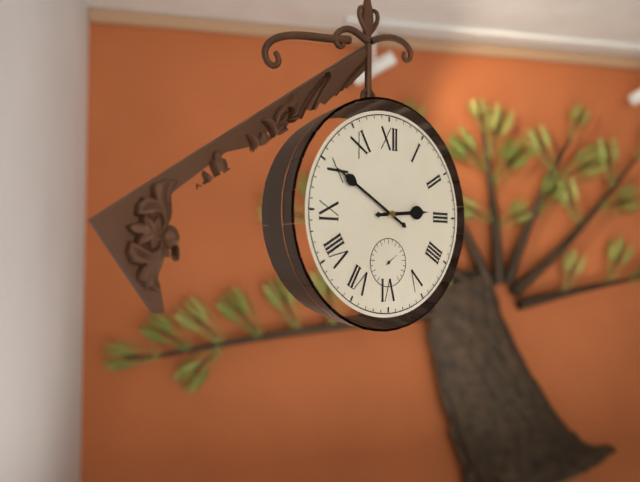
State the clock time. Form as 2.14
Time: 2.50
